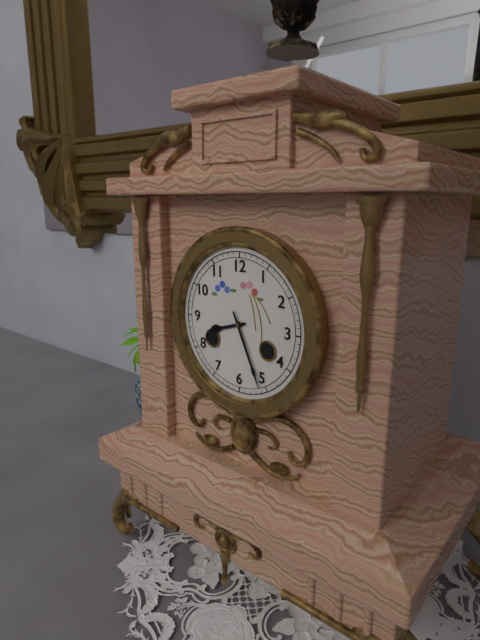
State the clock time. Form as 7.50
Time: 8.26
